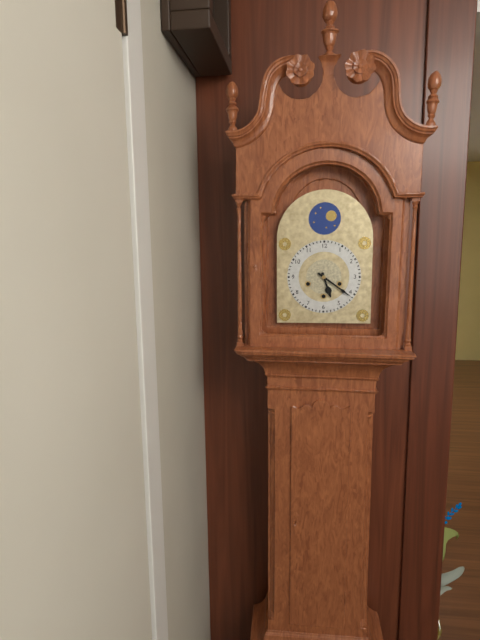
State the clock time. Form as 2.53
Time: 5.21
